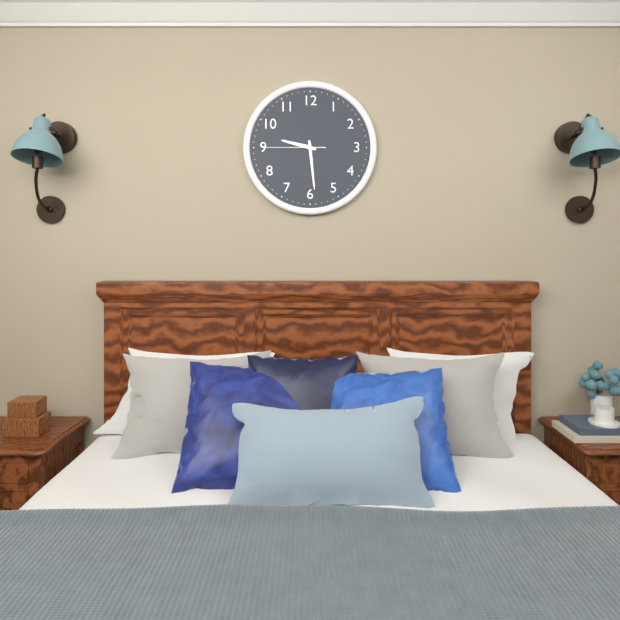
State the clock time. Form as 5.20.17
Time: 9.29.45
